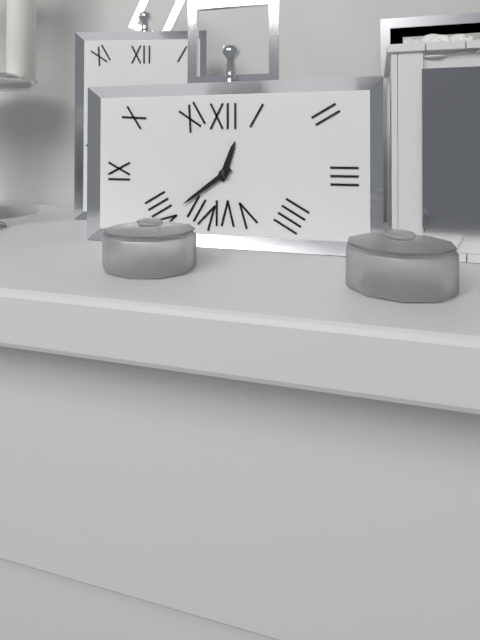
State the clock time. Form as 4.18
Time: 12.39
